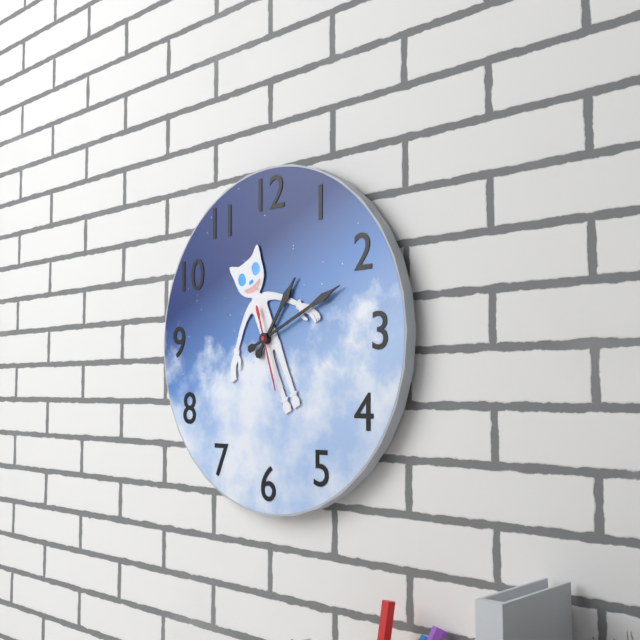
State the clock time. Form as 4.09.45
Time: 1.11.27
